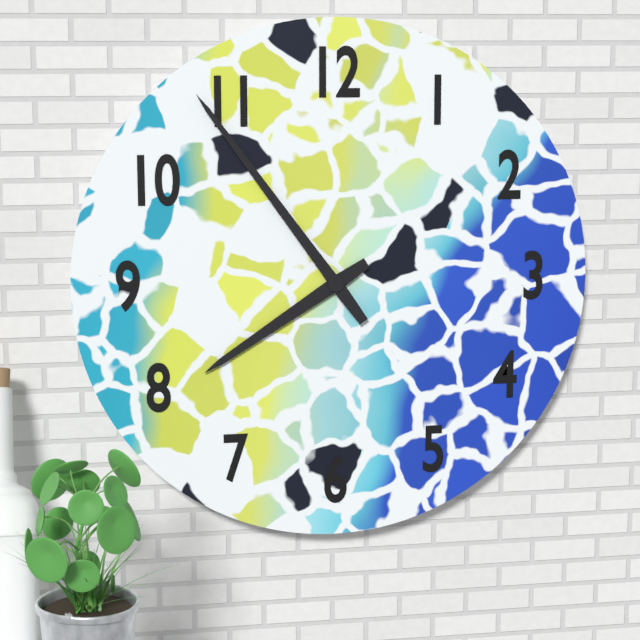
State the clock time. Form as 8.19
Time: 7.54
